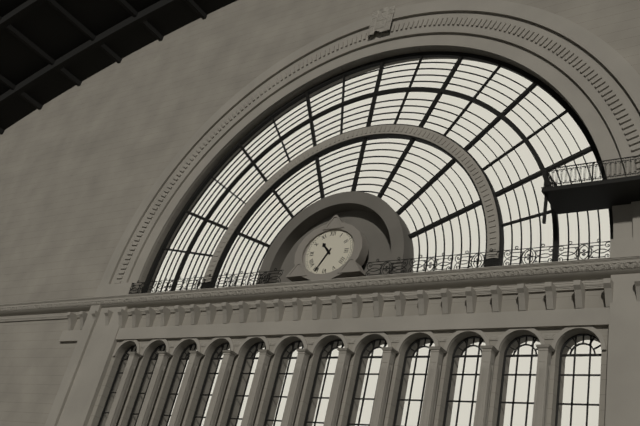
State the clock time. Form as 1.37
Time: 10.35
